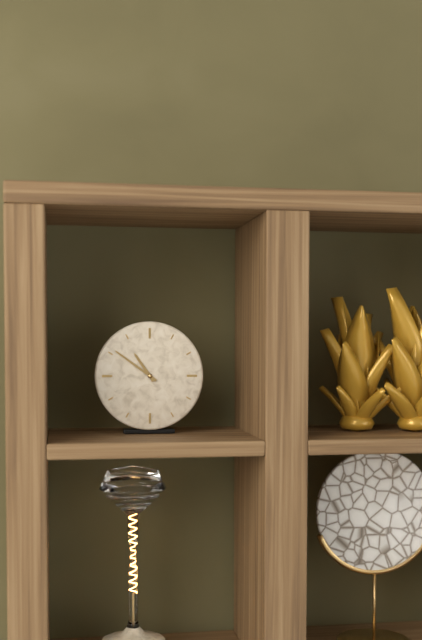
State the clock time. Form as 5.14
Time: 10.51
